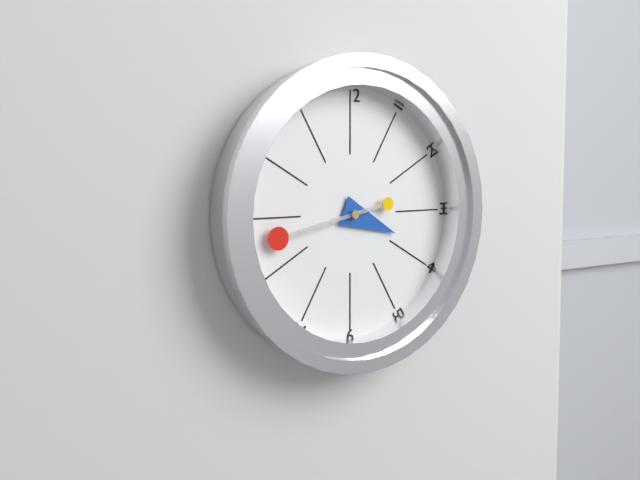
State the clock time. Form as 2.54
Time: 3.43
